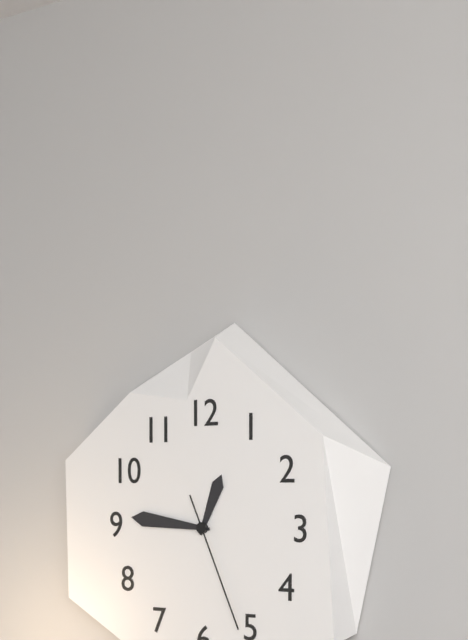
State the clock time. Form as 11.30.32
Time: 12.46.26
